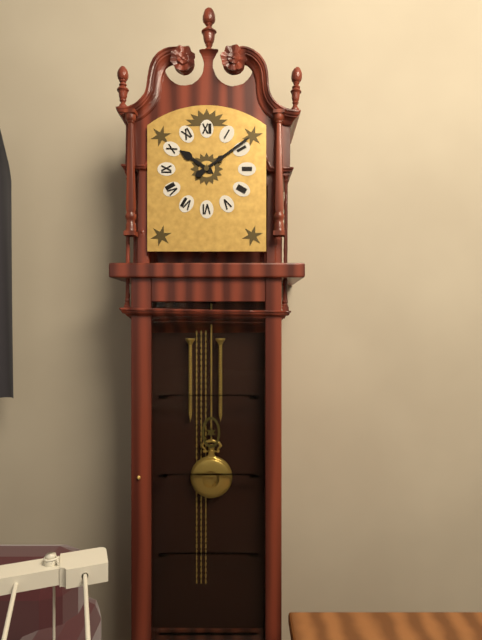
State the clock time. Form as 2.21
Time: 10.09
